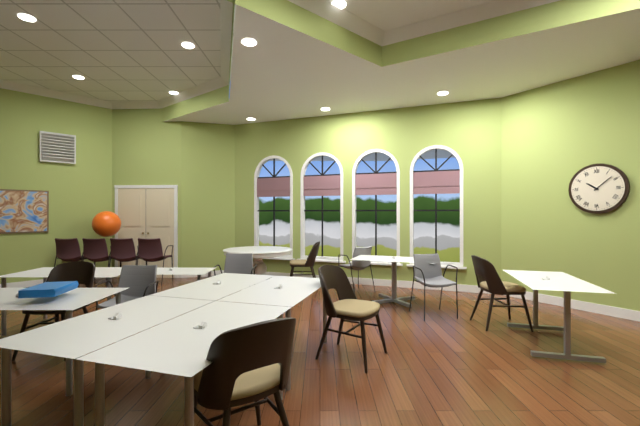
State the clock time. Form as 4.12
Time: 10.08
